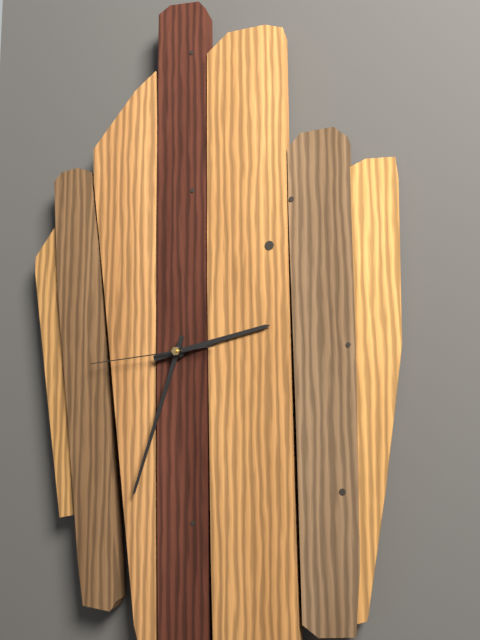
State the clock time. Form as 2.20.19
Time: 2.33.44
